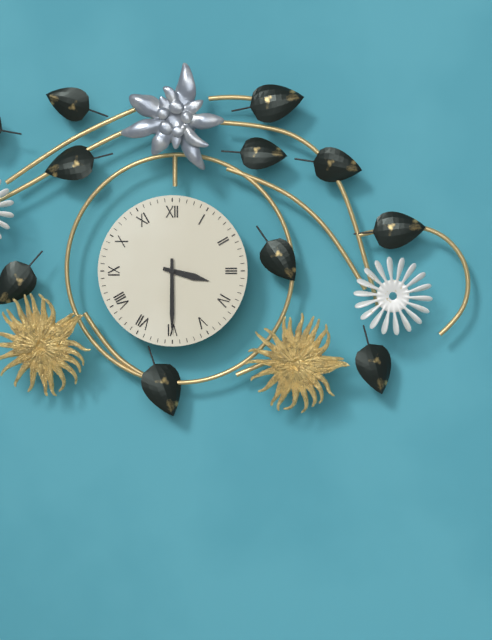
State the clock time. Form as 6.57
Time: 3.30
